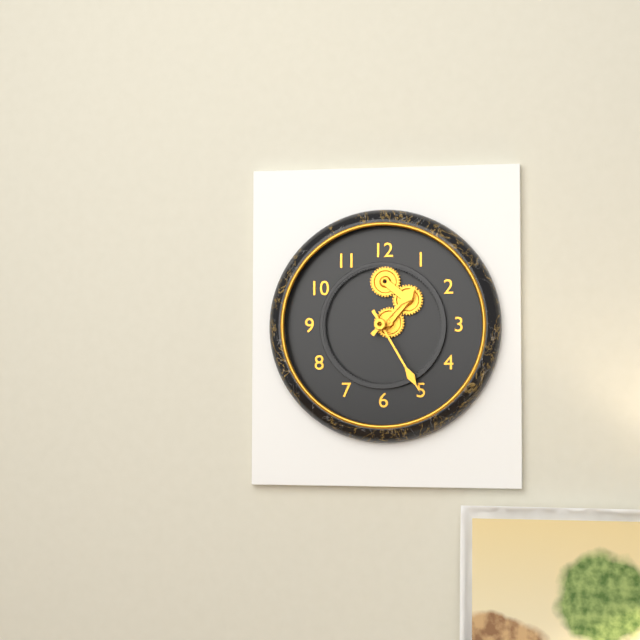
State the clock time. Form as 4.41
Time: 1.25
